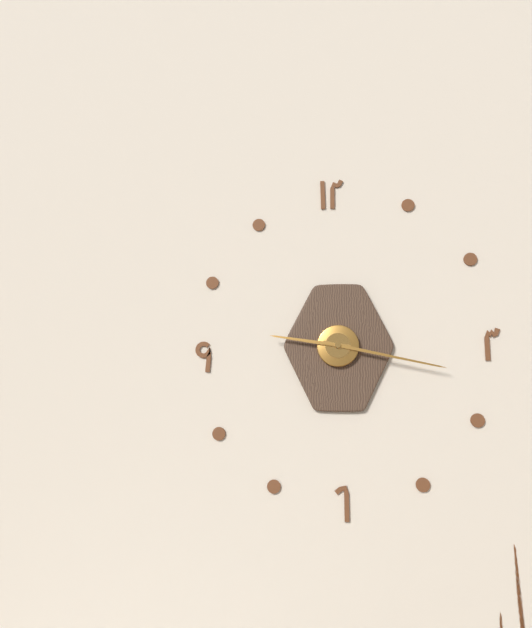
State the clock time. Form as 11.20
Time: 9.17
